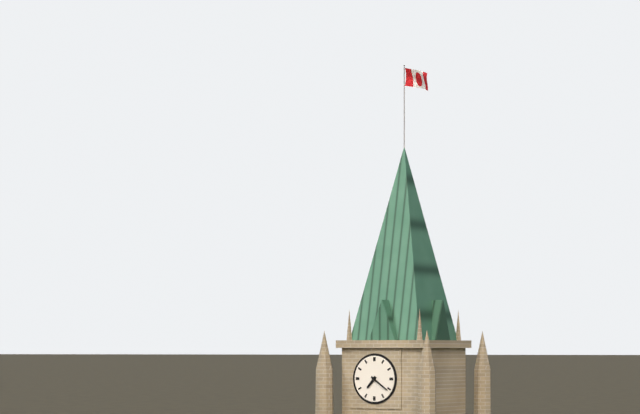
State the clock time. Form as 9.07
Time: 7.21
